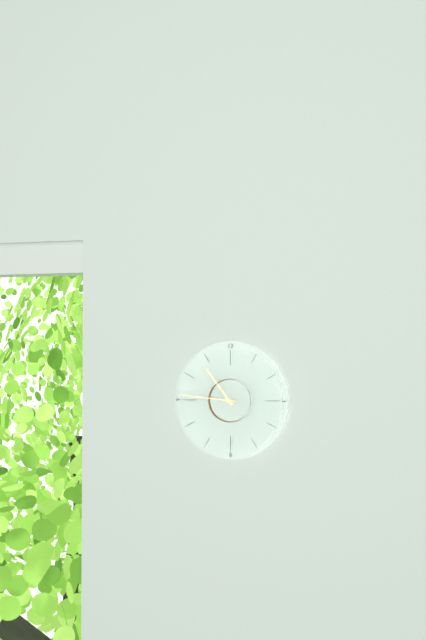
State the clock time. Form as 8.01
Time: 10.46
